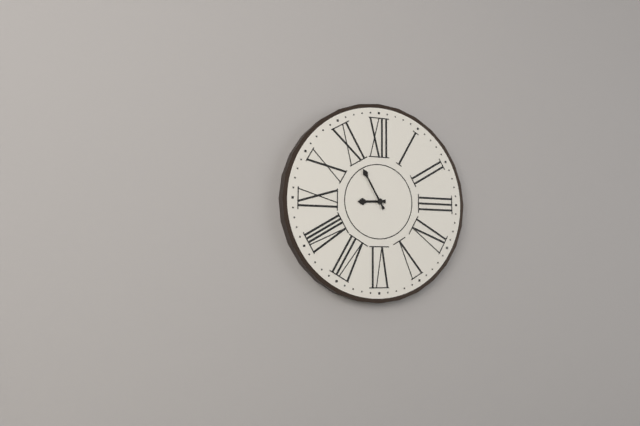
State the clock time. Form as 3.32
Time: 8.55
